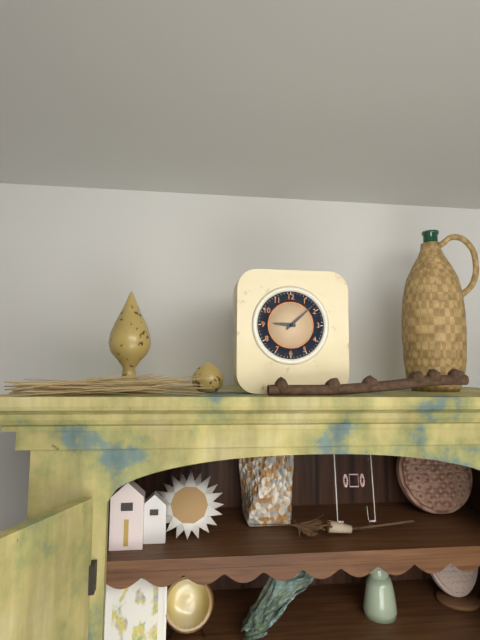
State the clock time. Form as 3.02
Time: 9.08
